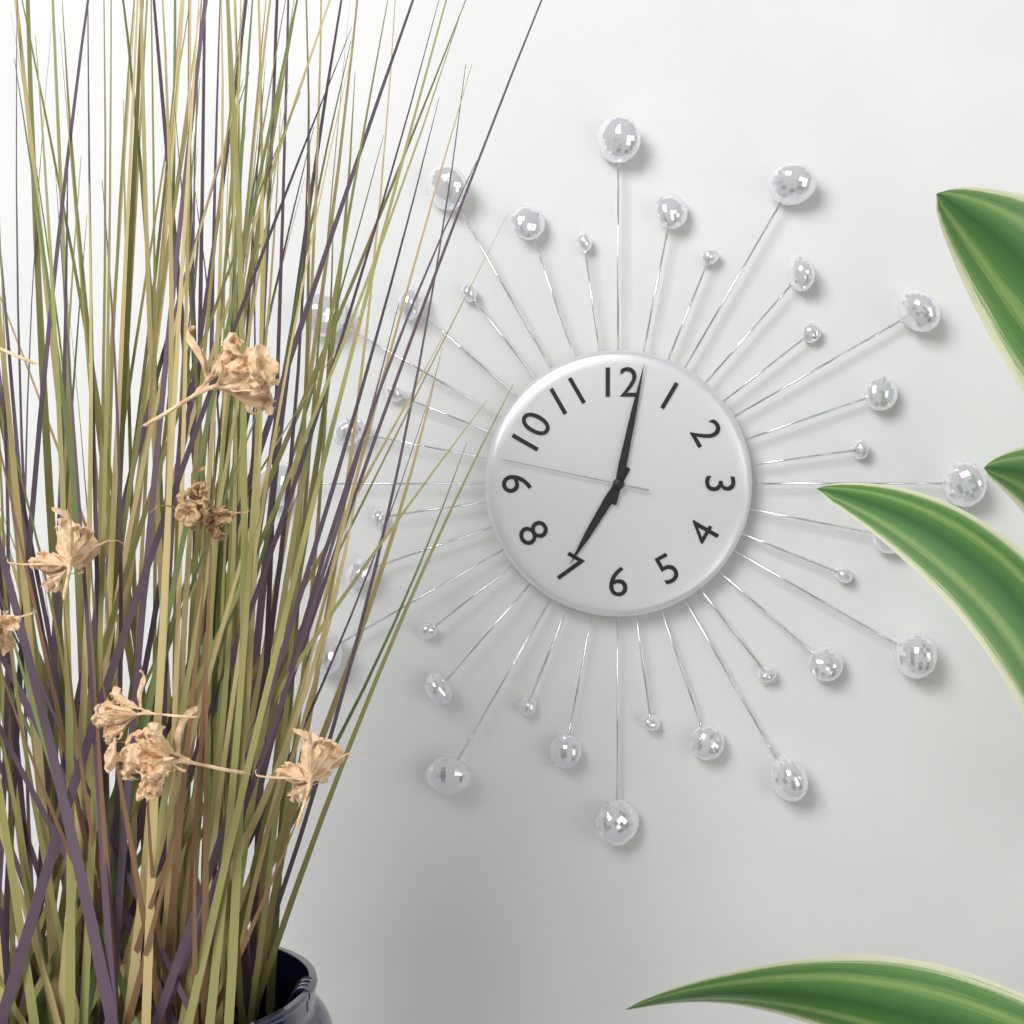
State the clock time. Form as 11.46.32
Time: 7.02.47
